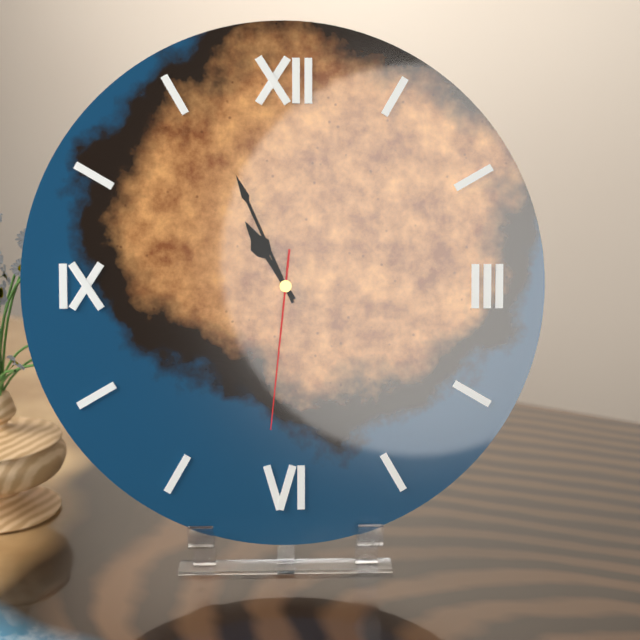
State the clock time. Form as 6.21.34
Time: 10.56.31
